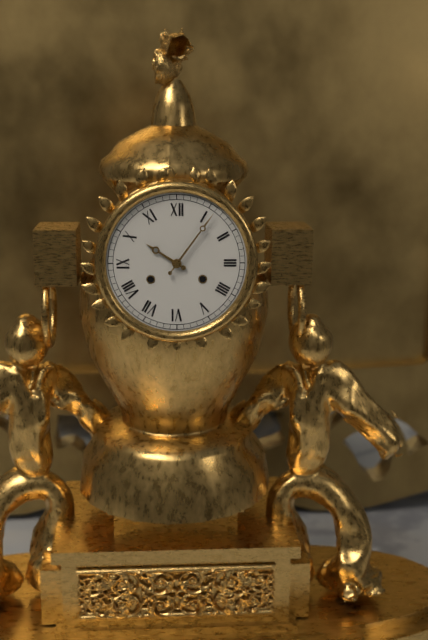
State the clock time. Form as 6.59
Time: 10.06
